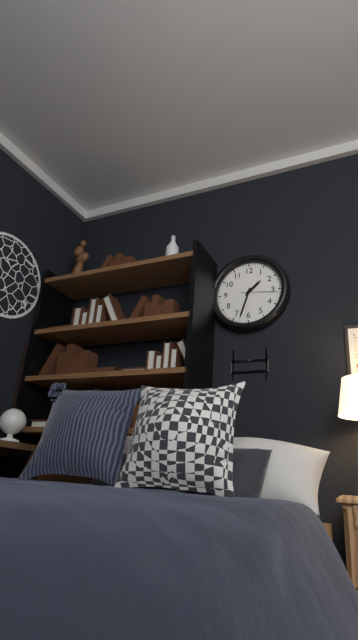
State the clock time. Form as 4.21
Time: 1.33
